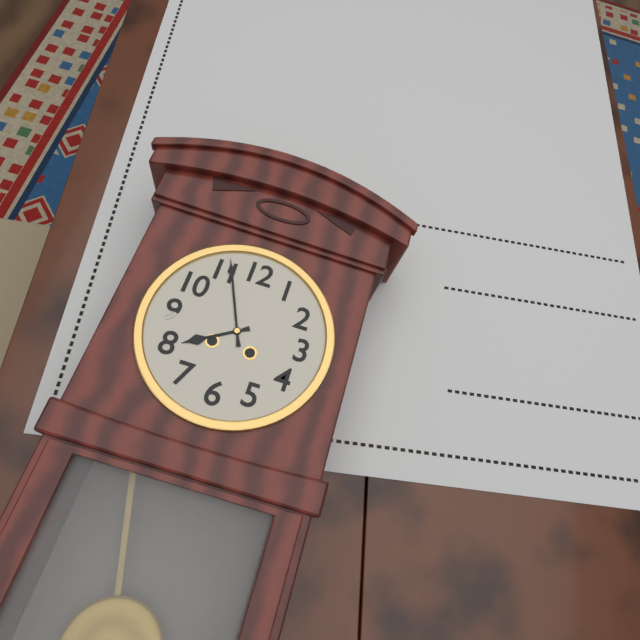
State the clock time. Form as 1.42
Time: 7.56
